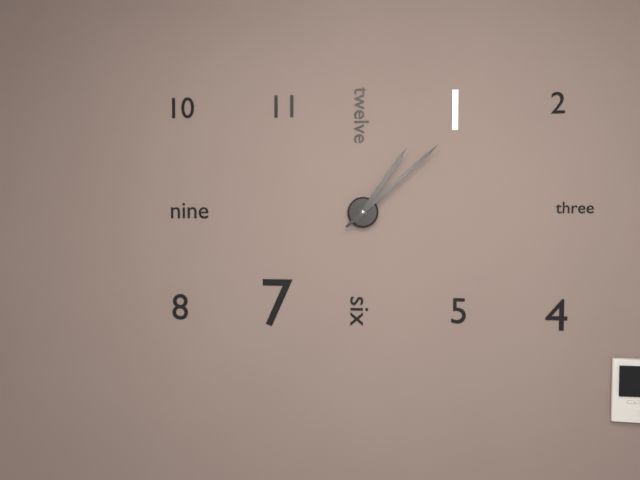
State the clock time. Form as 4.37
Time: 1.08
